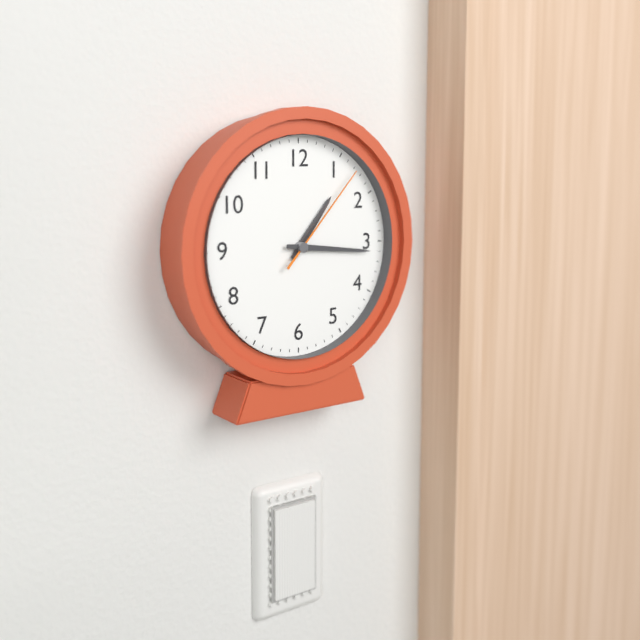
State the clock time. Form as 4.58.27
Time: 1.16.07
